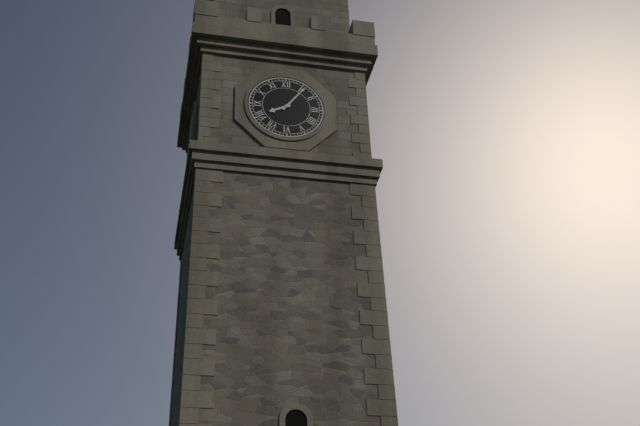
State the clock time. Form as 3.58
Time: 8.06
